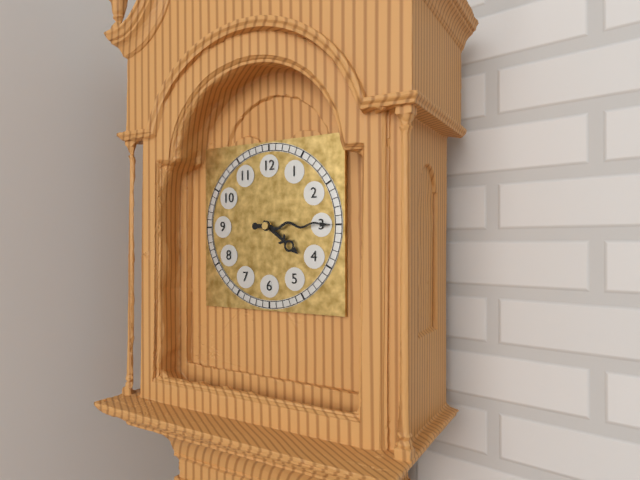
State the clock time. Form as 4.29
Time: 4.15
